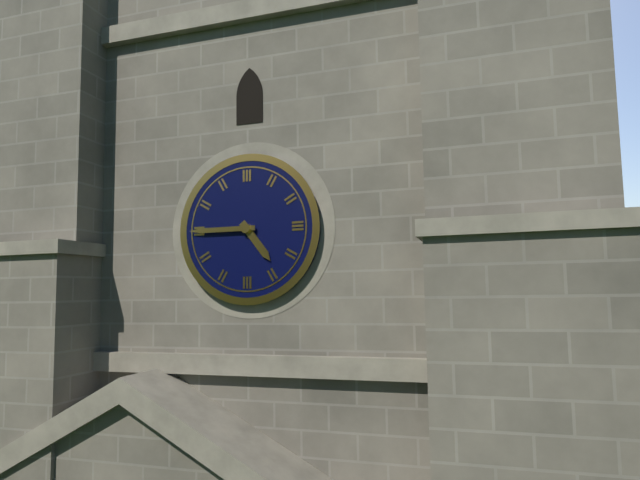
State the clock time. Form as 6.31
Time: 4.45
